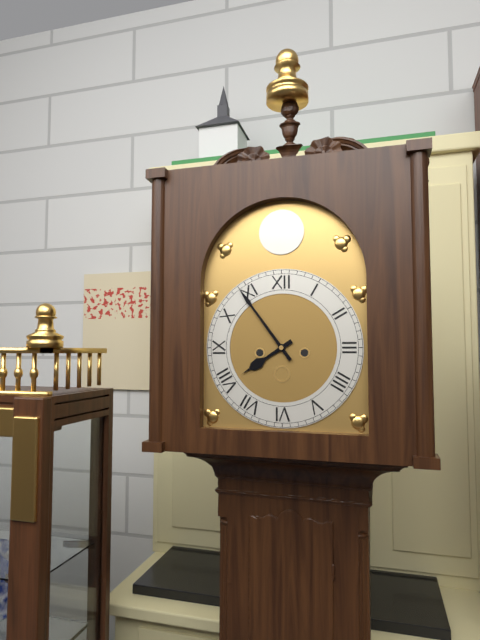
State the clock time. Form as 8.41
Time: 7.54
